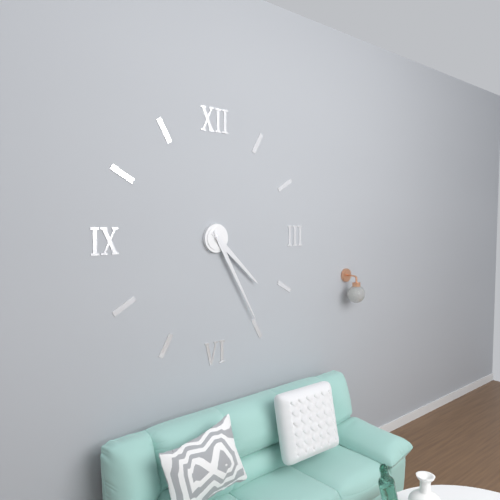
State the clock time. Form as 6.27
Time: 4.25
